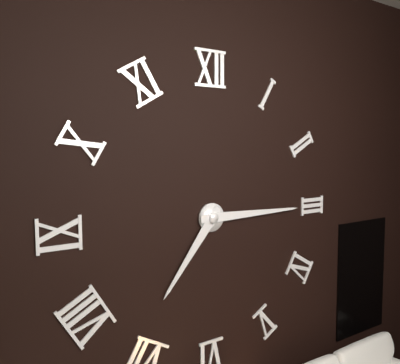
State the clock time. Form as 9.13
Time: 7.15
